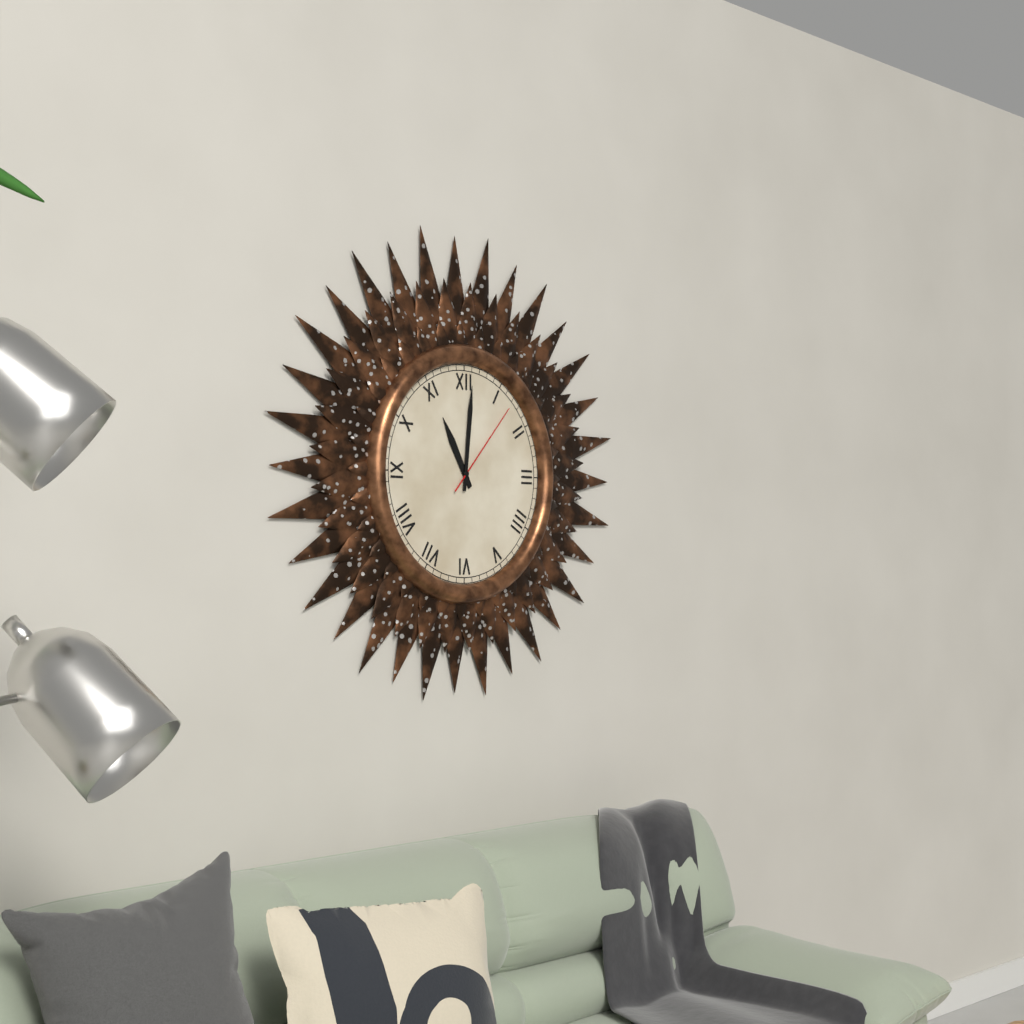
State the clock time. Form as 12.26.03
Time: 11.01.07
